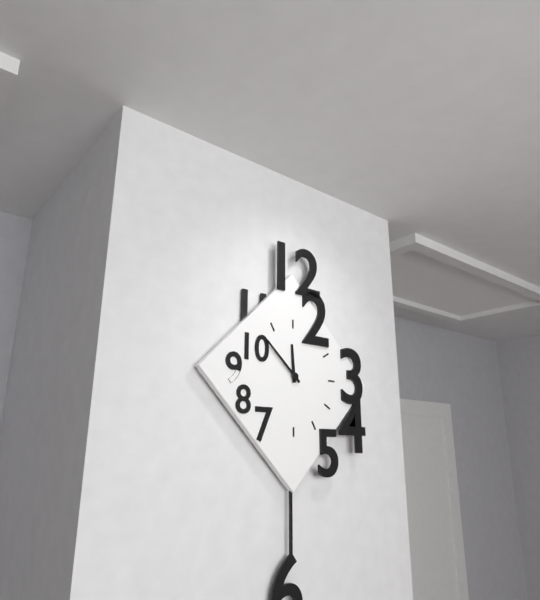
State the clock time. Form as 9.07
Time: 11.52
